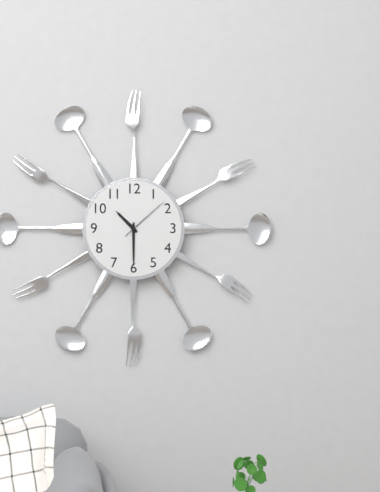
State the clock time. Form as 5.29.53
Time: 10.30.08
